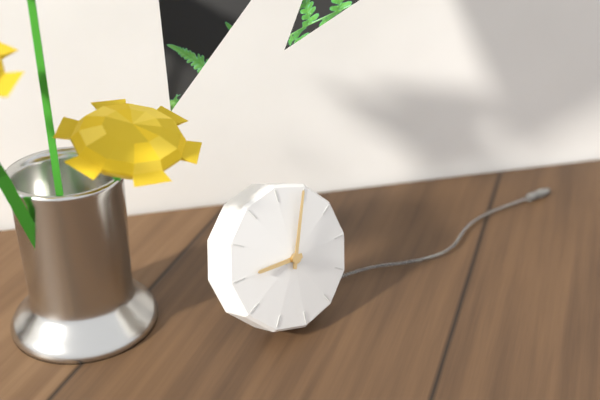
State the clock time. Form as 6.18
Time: 9.04
